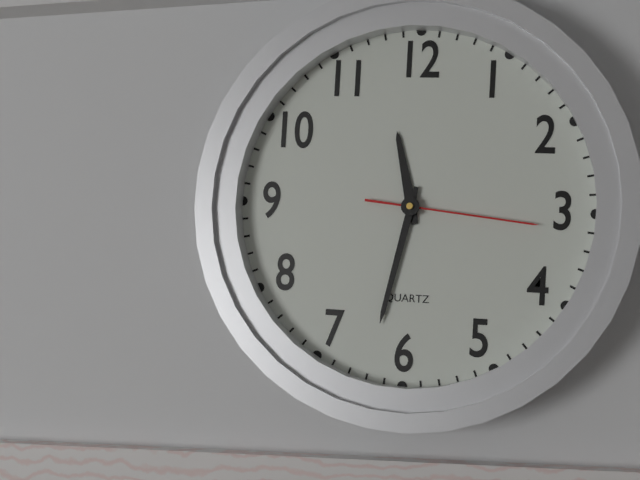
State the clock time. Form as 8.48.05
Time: 11.32.16
